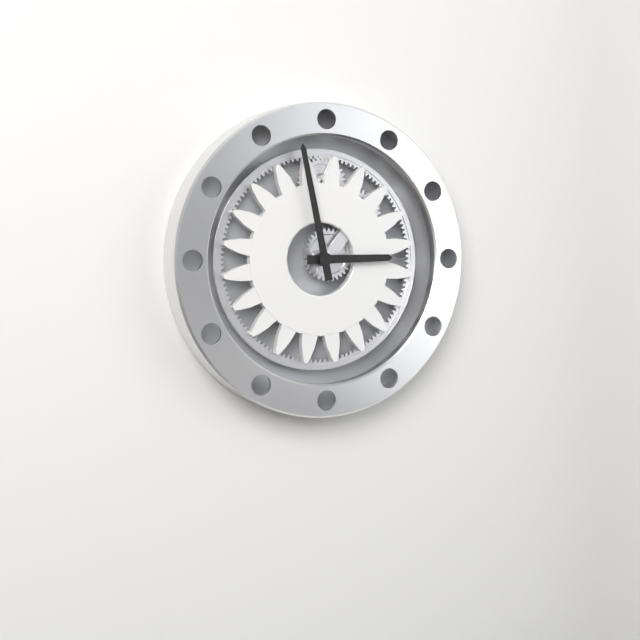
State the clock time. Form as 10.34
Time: 2.58
